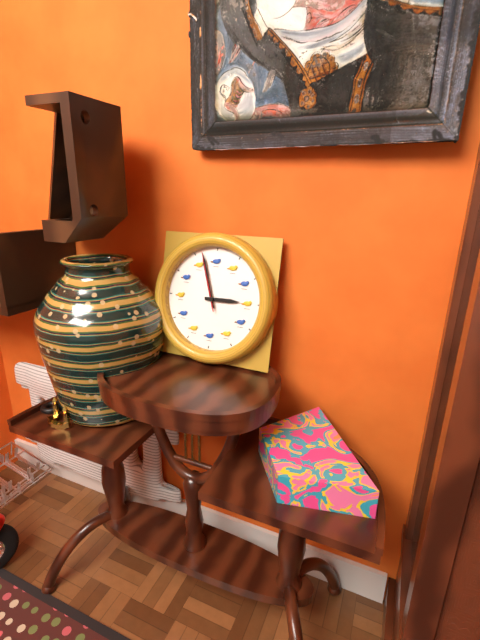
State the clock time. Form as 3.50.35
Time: 2.57.57
